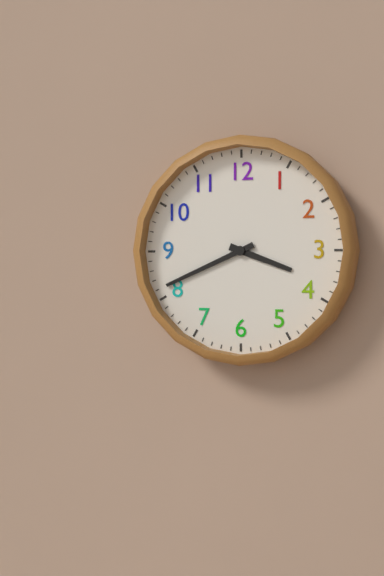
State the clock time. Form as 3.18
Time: 3.41
